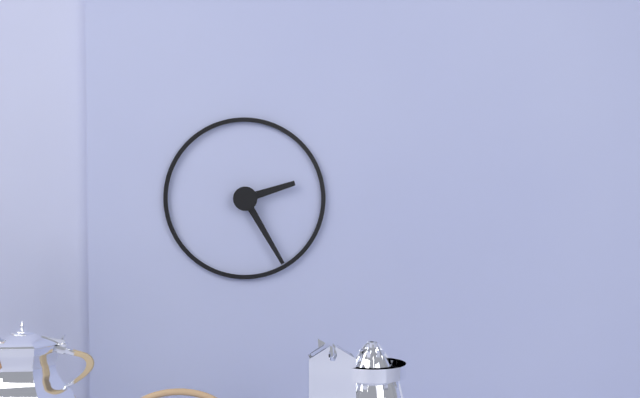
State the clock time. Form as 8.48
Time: 2.25
